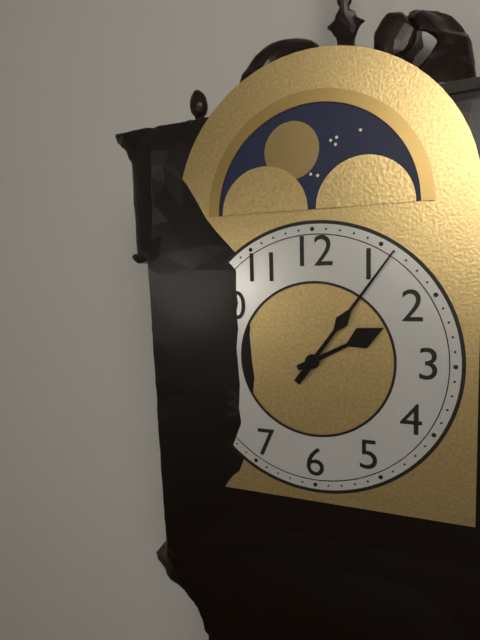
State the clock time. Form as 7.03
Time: 2.06
